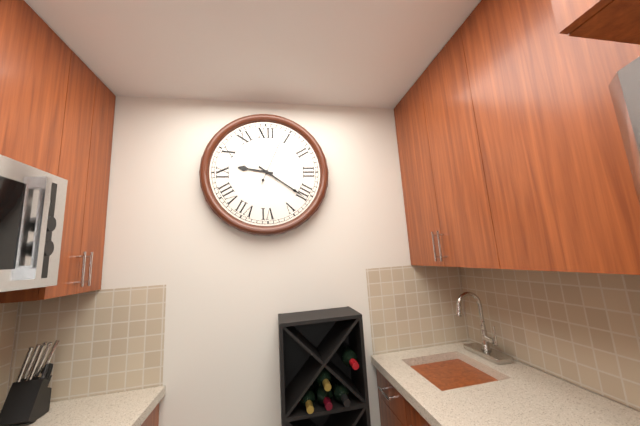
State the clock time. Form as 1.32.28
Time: 9.21.04
